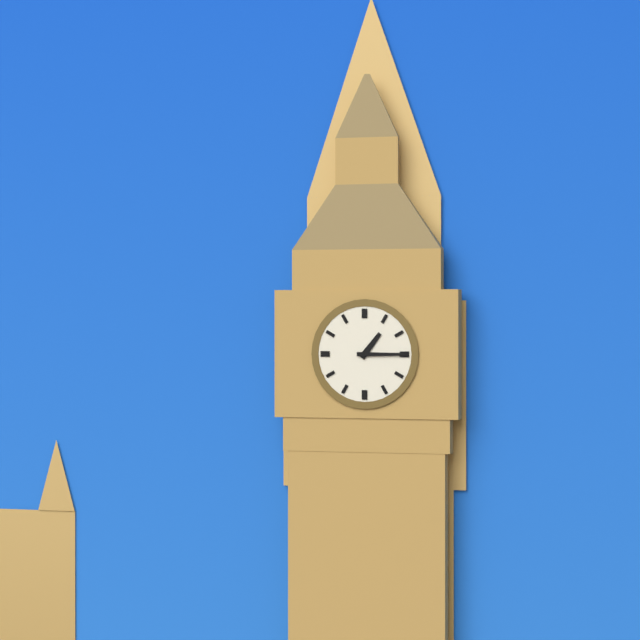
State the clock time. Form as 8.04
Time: 1.15
